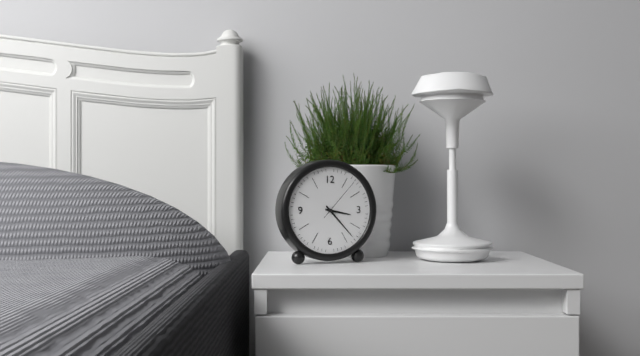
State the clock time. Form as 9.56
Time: 3.23
